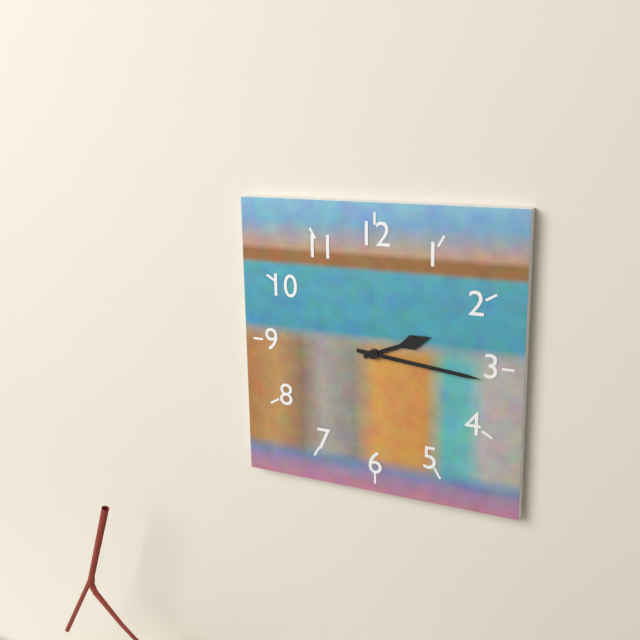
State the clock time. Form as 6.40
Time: 2.16
